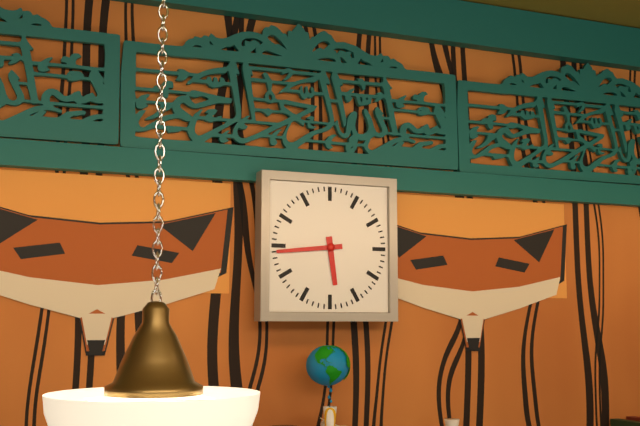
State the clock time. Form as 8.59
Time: 5.44
